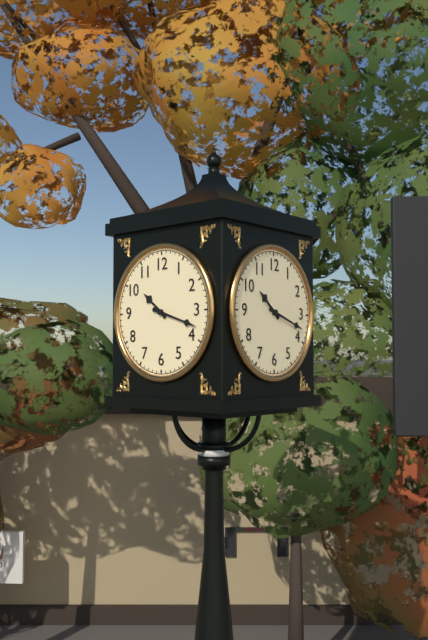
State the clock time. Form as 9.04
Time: 10.18
